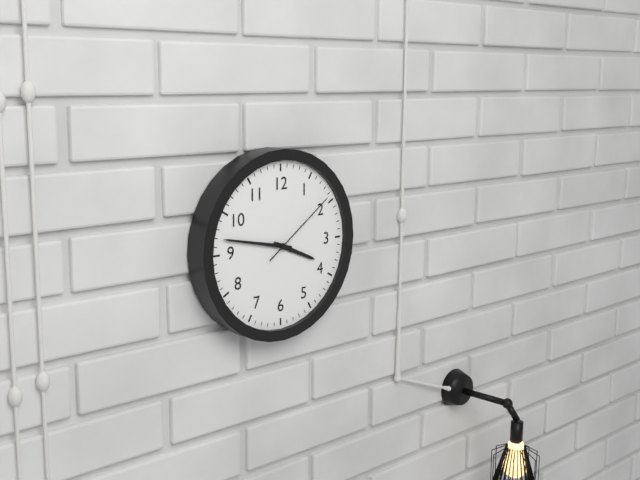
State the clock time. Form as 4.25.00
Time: 3.47.09
